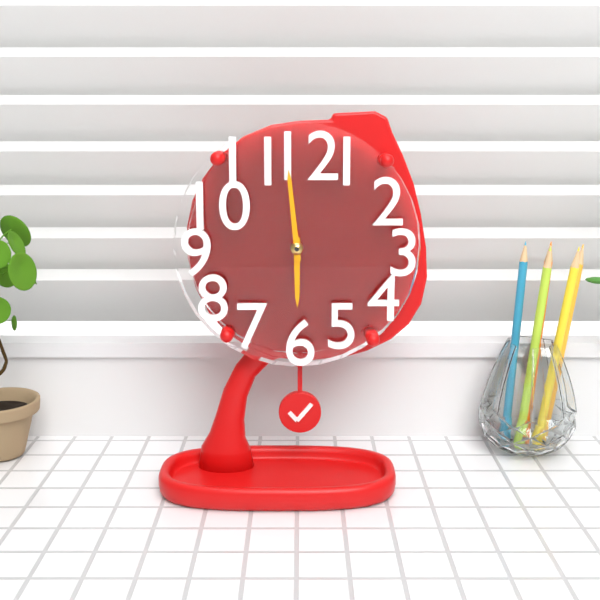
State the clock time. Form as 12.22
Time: 5.59
